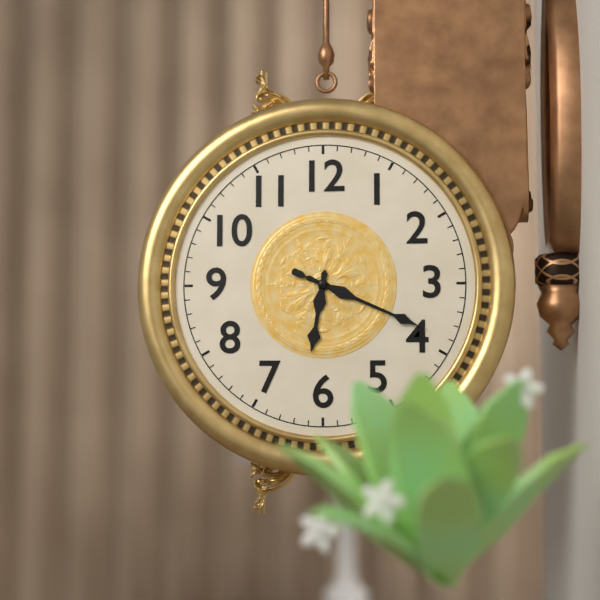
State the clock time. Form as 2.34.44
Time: 6.19.19
